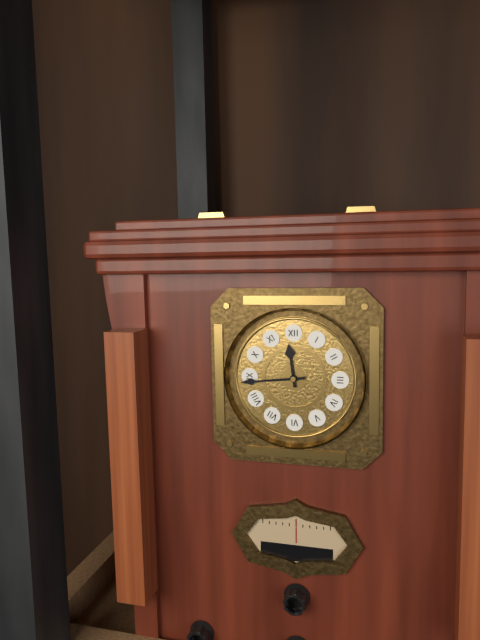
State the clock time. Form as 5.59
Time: 11.44
